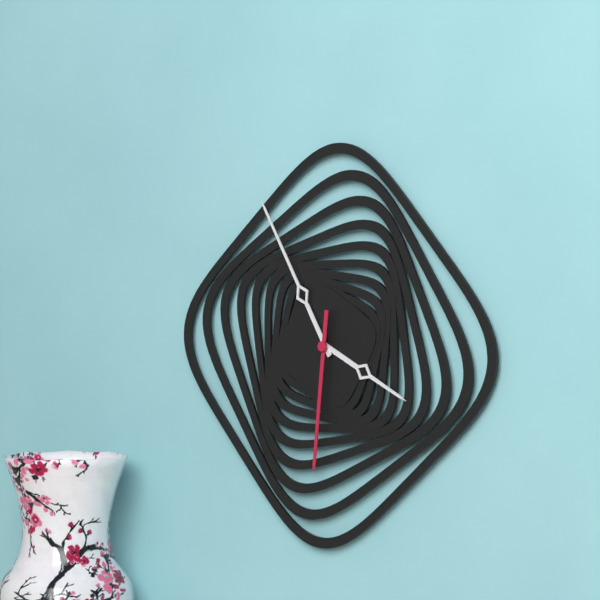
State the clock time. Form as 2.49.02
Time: 3.55.31
